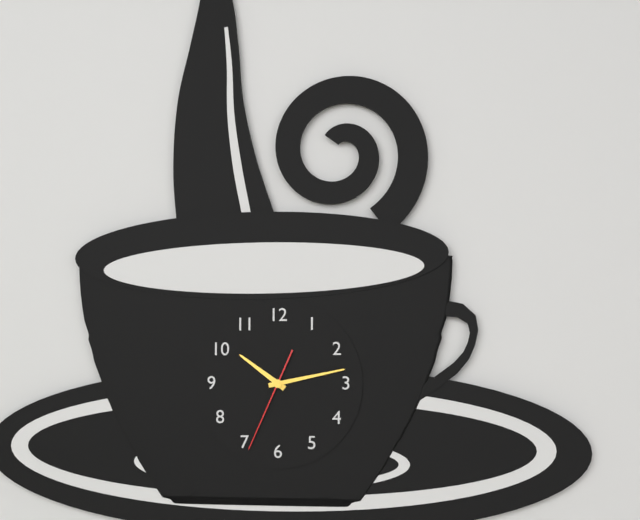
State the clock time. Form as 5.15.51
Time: 10.13.34
